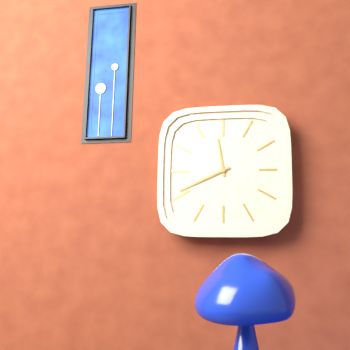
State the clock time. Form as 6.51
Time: 11.41
